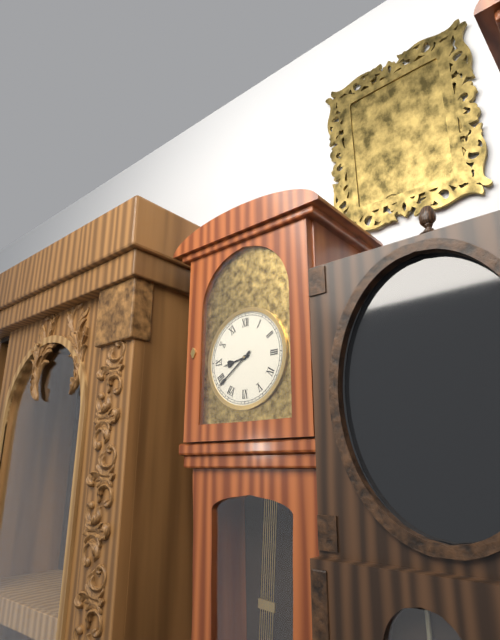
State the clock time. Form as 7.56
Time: 8.39
